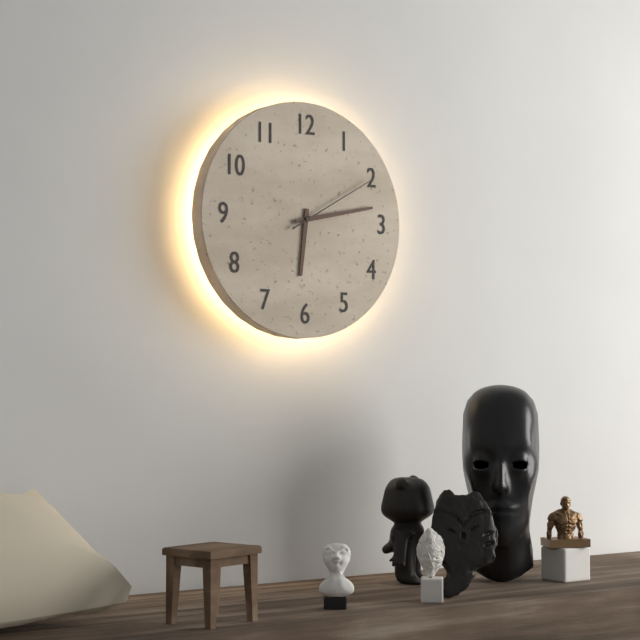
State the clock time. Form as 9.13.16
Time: 6.13.10
